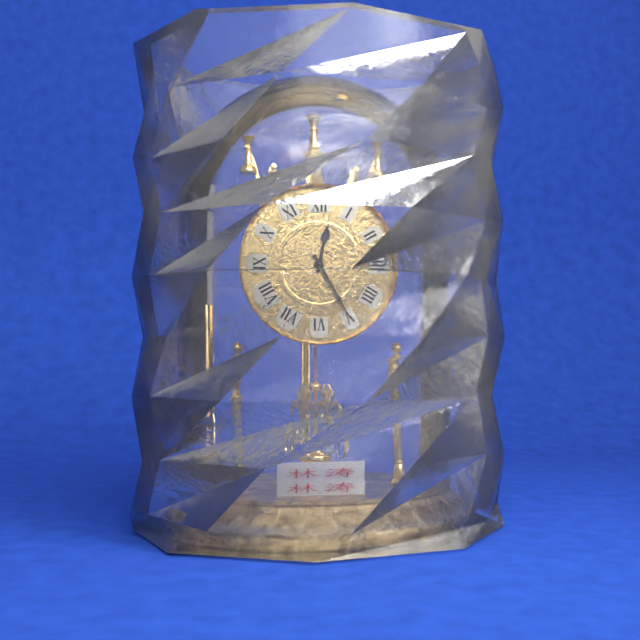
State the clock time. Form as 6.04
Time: 12.25
